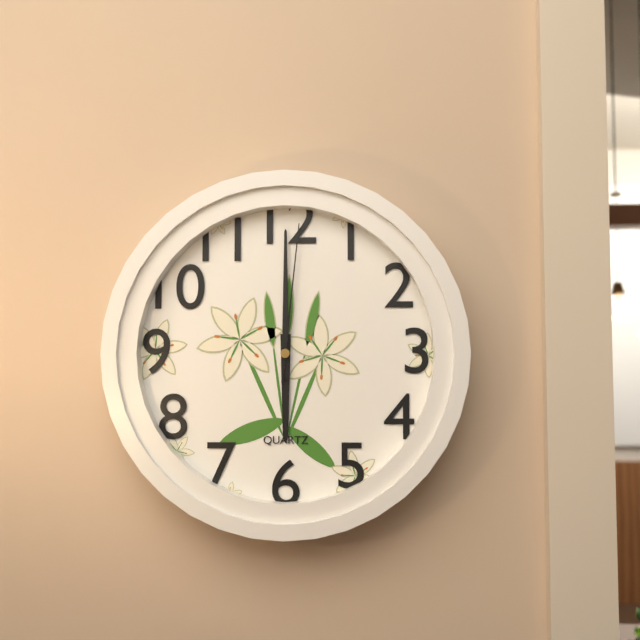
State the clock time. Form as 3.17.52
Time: 6.00.01
